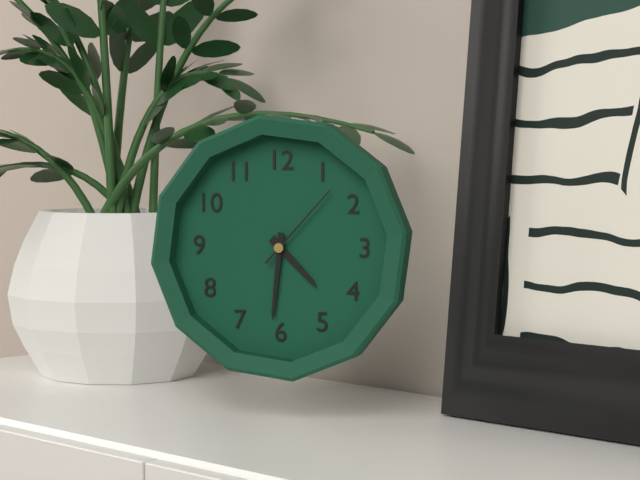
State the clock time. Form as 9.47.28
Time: 4.31.07
